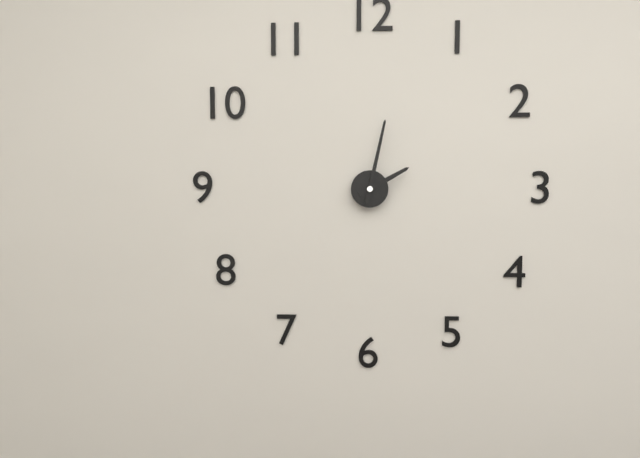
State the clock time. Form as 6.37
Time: 2.02
